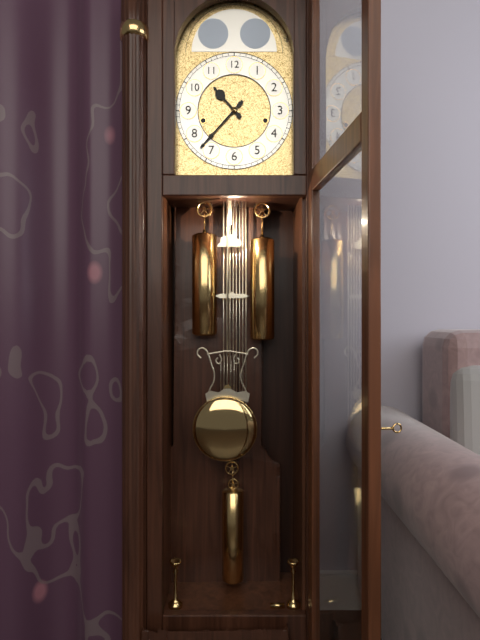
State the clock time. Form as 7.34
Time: 10.37
